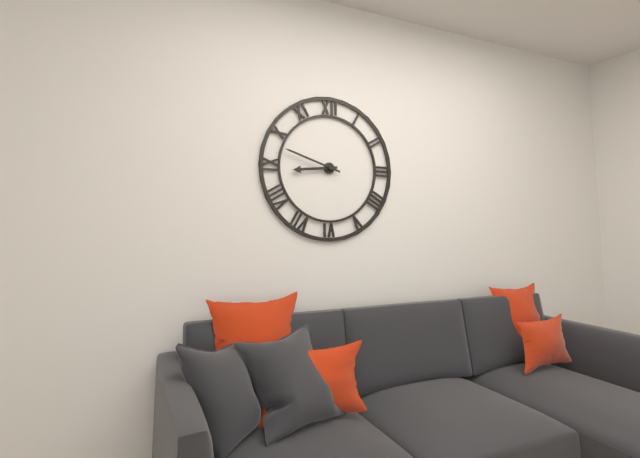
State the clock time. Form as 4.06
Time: 8.48
